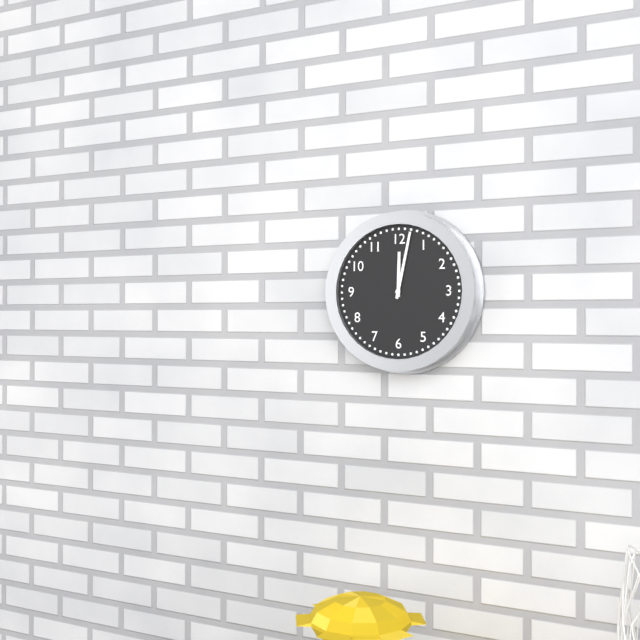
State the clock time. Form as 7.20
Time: 12.02
